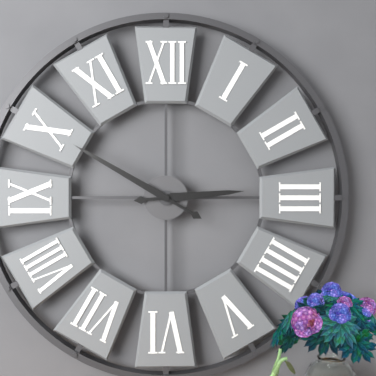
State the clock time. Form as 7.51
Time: 2.50
